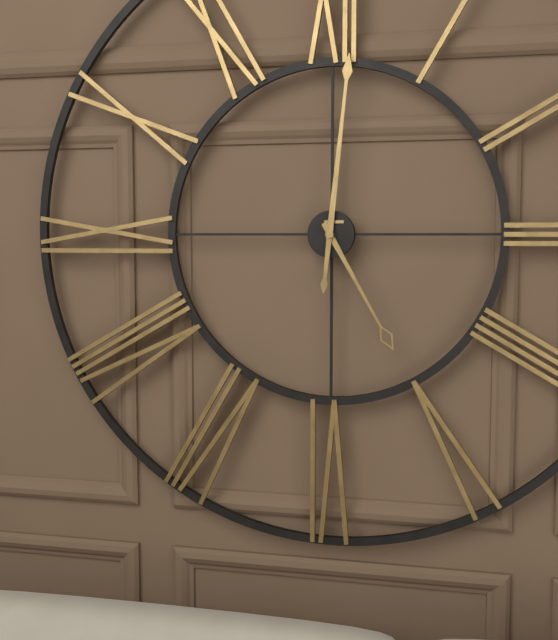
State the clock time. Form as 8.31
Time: 5.01
